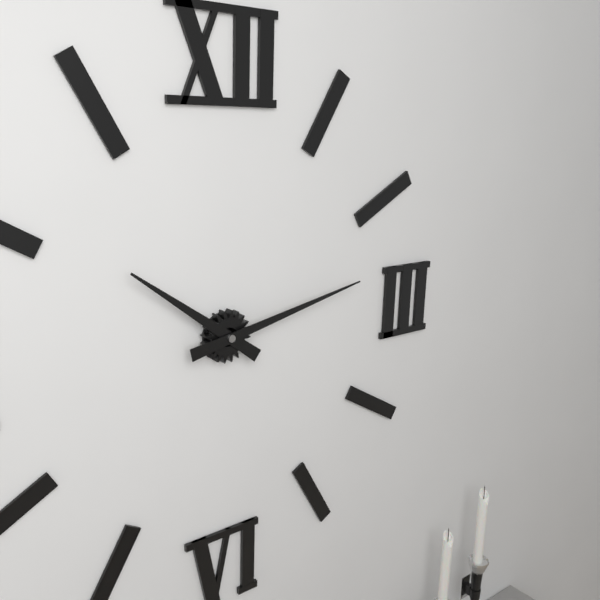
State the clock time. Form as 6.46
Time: 10.13
